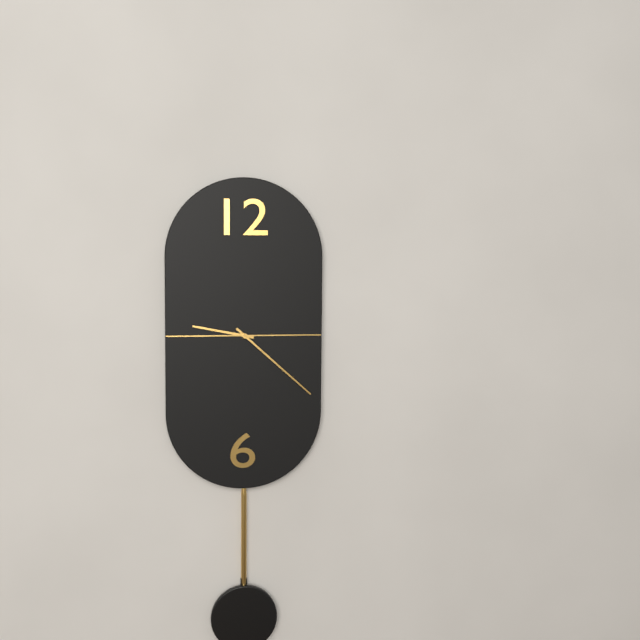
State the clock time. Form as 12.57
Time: 9.22
